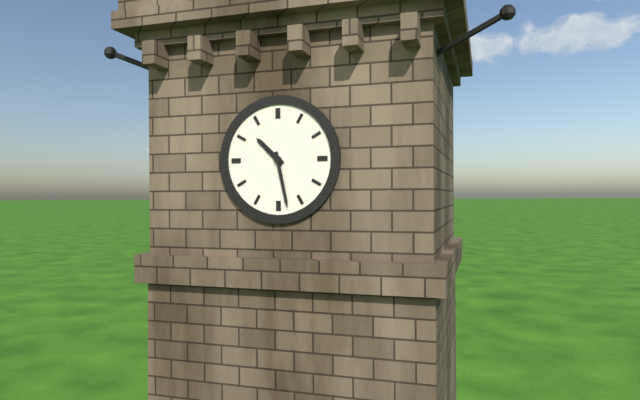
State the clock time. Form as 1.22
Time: 10.28
